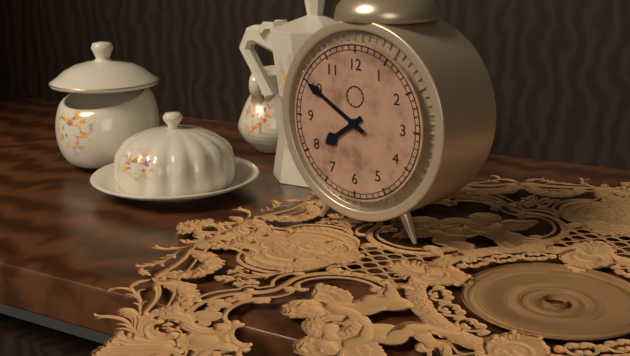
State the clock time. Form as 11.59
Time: 7.50
